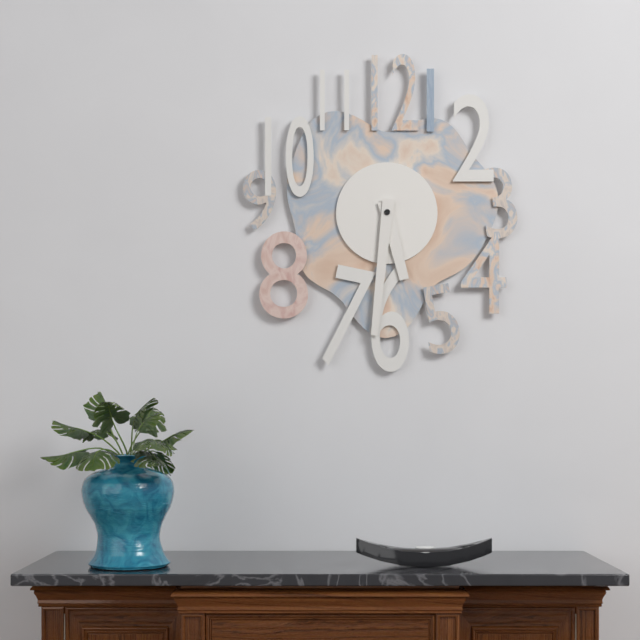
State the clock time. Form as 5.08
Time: 5.31
